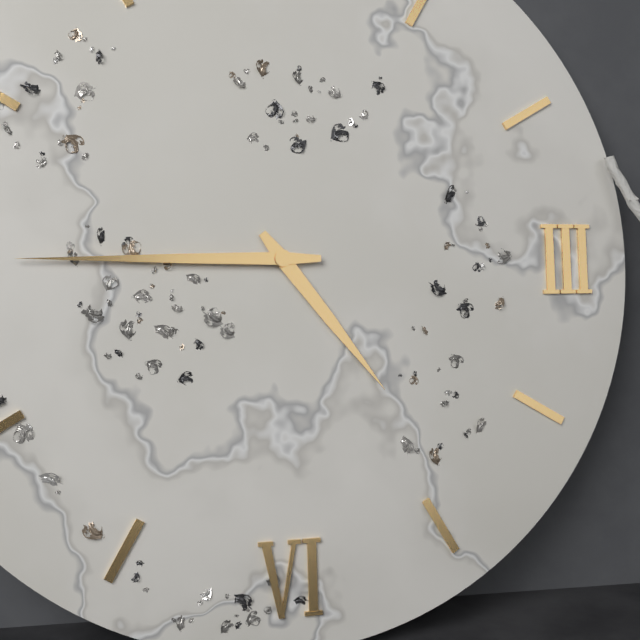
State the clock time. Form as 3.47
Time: 4.45
